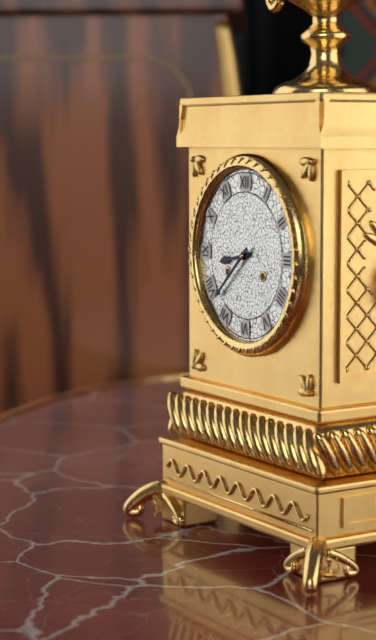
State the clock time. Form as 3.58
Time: 8.38
